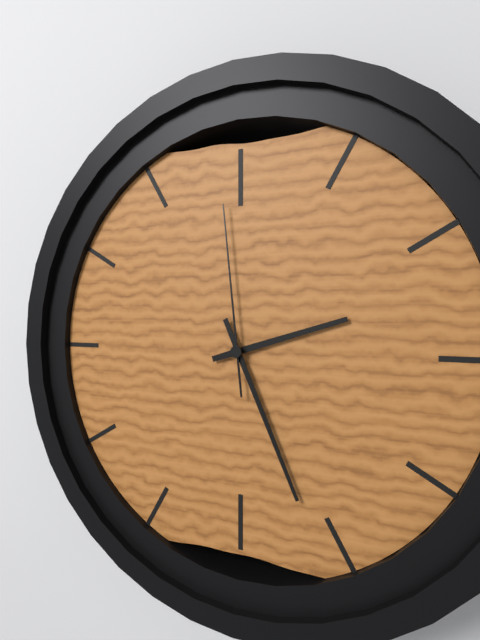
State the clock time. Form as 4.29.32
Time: 2.26.59
